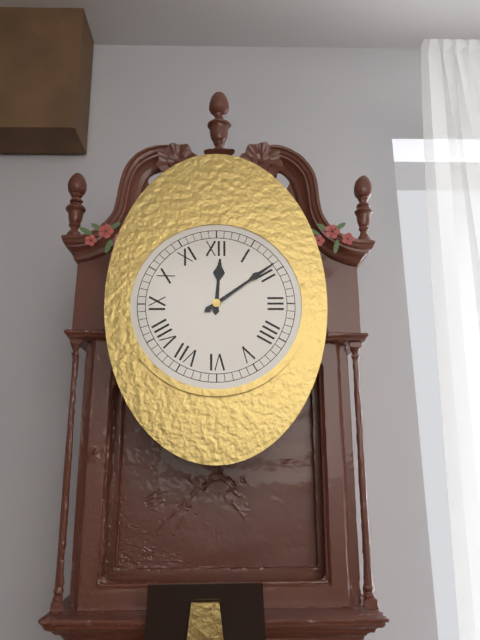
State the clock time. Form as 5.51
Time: 12.09
